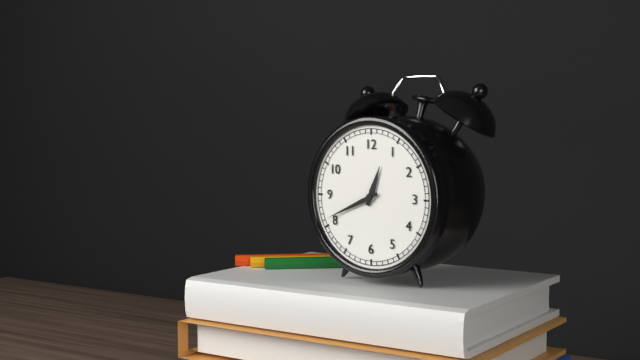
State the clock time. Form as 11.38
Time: 12.41
